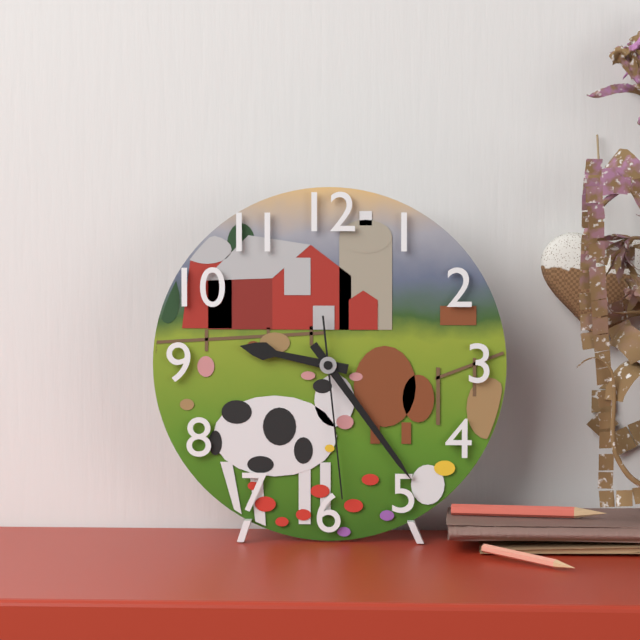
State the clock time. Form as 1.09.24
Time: 9.24.29
